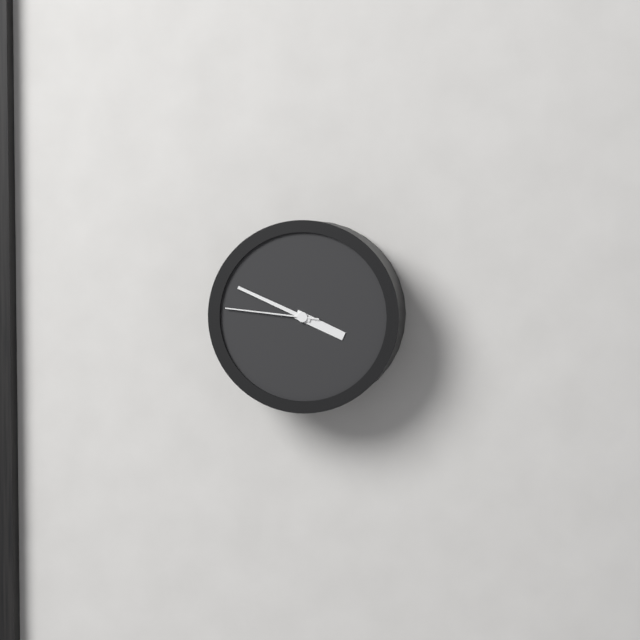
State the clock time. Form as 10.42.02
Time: 3.49.46
